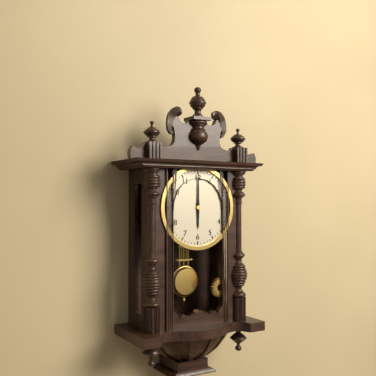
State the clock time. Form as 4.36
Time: 6.00
